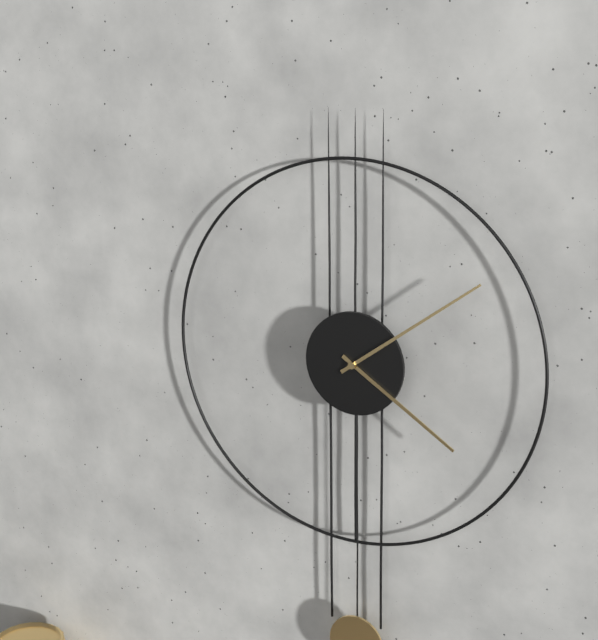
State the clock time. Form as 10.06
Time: 4.09
